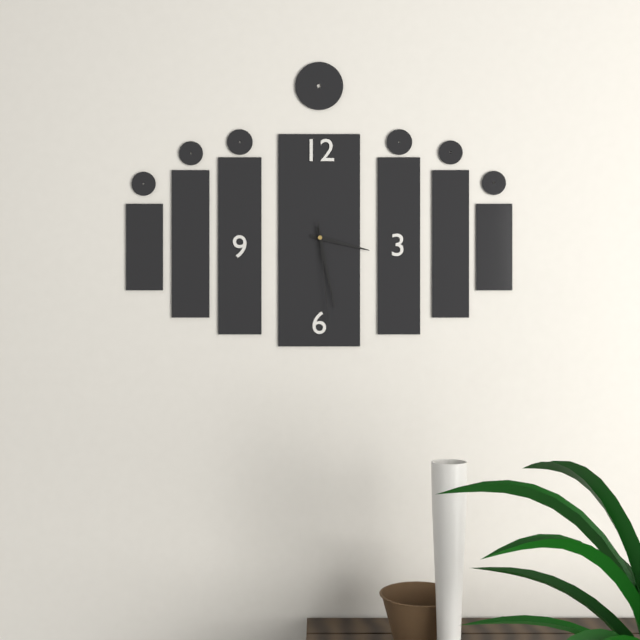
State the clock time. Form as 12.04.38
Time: 3.28.29
